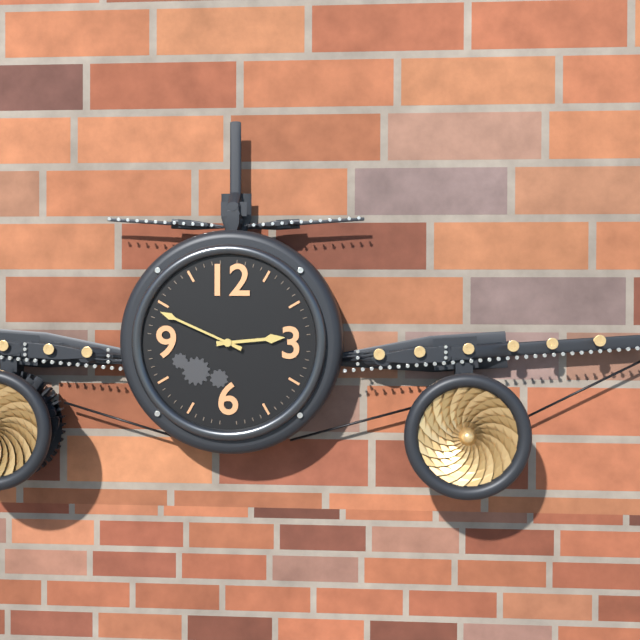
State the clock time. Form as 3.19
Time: 2.49
